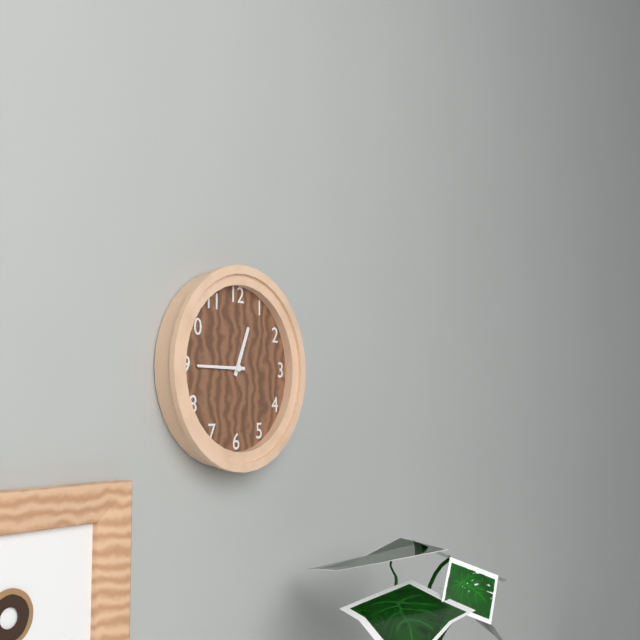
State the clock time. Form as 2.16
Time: 12.45
